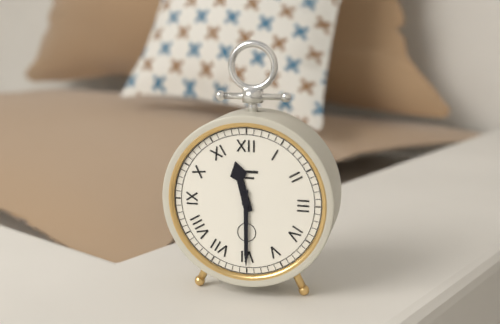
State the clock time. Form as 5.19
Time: 11.30
